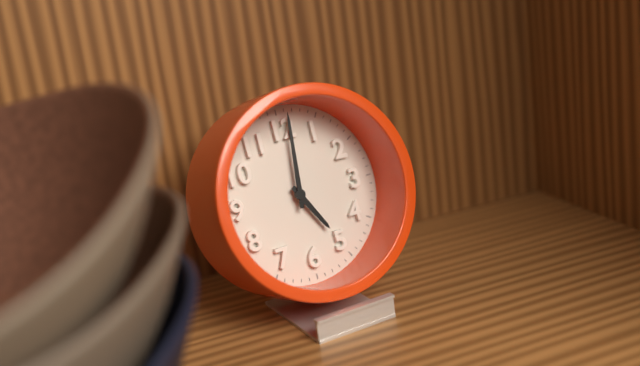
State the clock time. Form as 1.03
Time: 5.01
